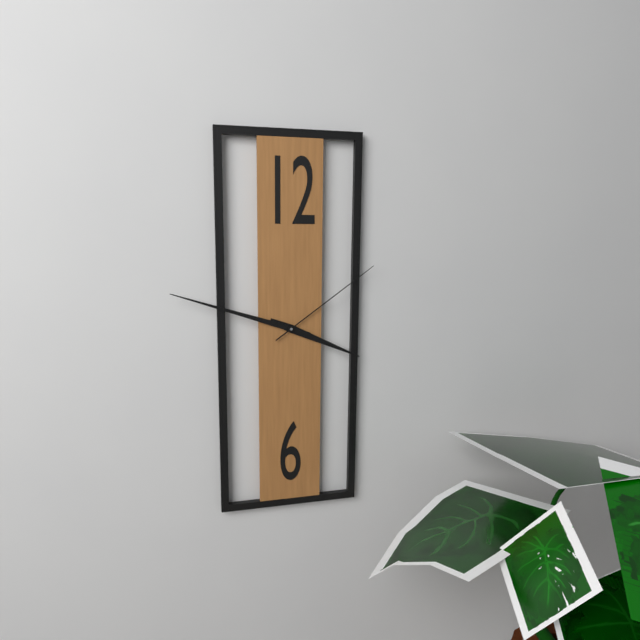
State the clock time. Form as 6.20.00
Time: 3.48.09
